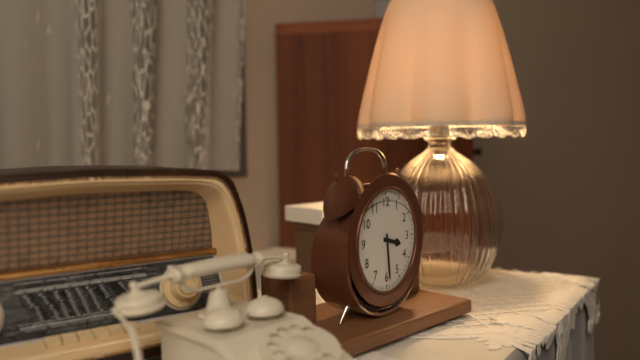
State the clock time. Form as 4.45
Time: 3.29
